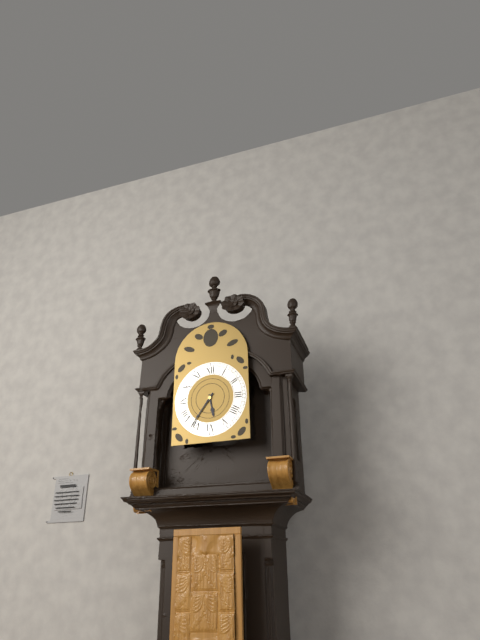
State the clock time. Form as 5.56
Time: 5.36
